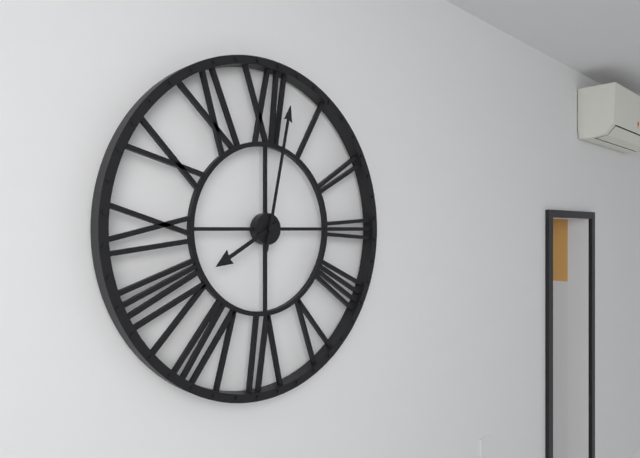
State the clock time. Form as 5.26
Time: 8.02
